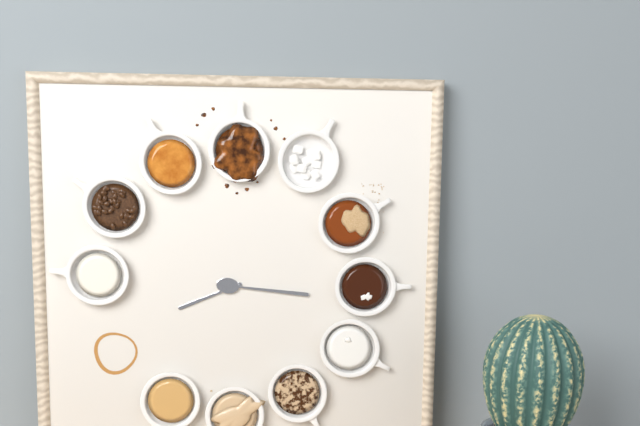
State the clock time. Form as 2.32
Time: 8.16
